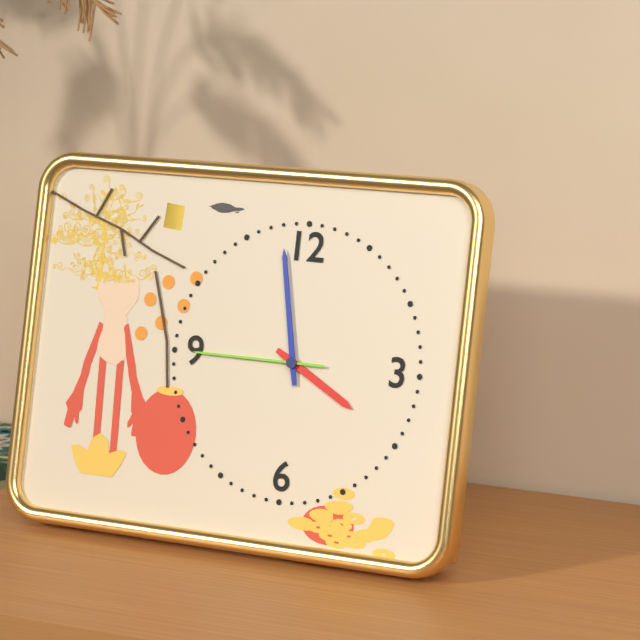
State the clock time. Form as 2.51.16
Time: 3.58.45
